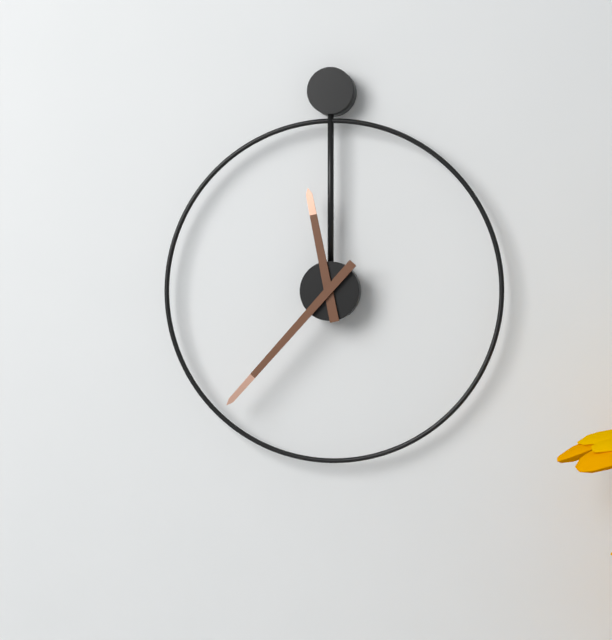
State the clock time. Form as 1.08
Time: 11.37
